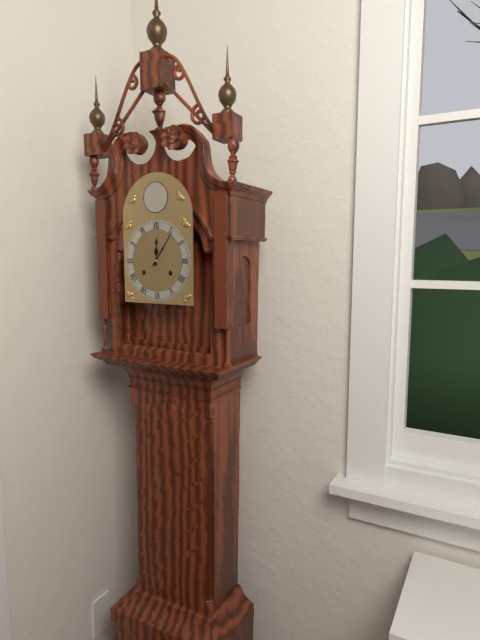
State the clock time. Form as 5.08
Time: 12.06
